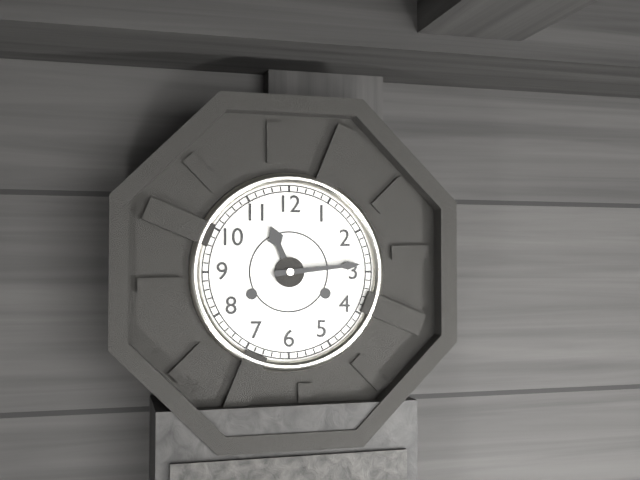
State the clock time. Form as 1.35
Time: 11.14
